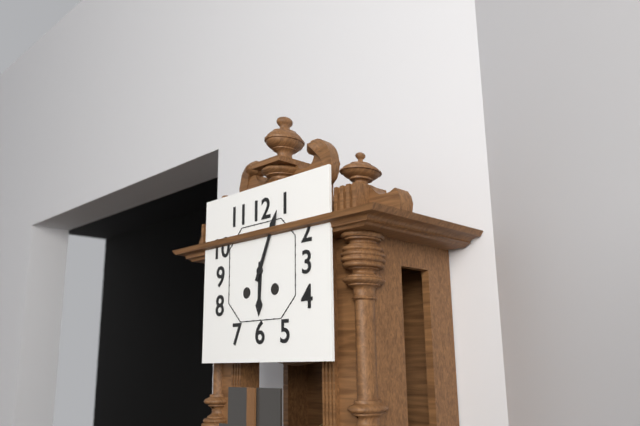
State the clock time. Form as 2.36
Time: 6.04
